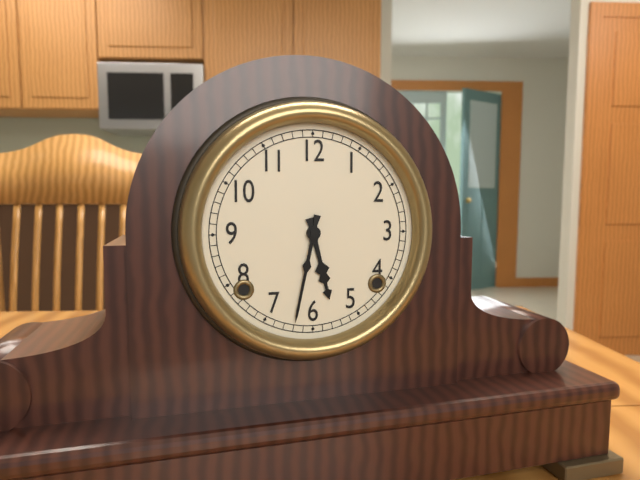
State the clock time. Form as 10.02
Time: 5.32
